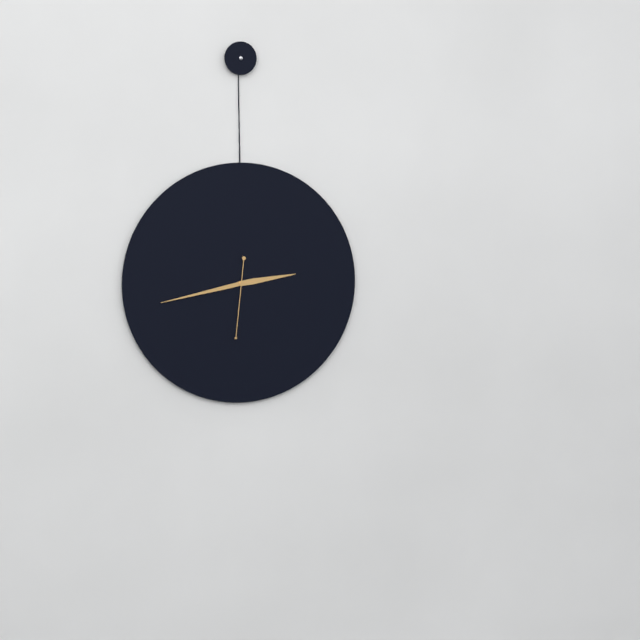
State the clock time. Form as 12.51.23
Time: 2.43.31
